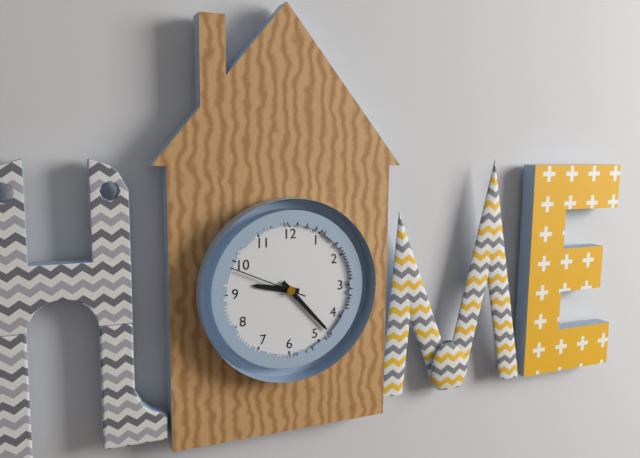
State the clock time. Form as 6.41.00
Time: 9.23.49
